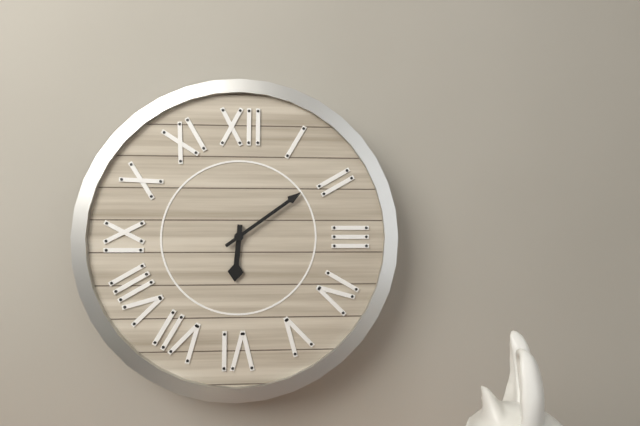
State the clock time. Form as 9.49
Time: 6.09
